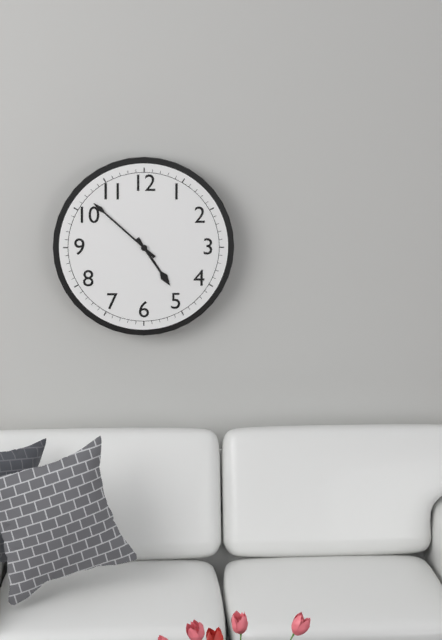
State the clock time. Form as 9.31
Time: 4.52
